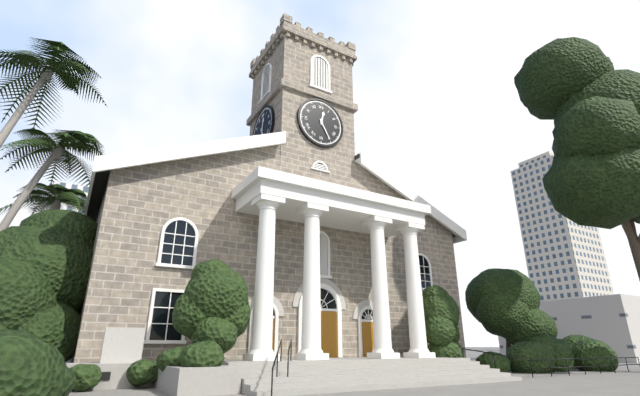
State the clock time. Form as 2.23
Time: 12.25
